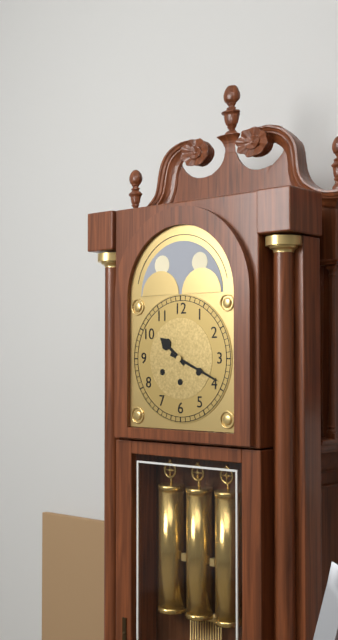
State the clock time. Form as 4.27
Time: 10.19
